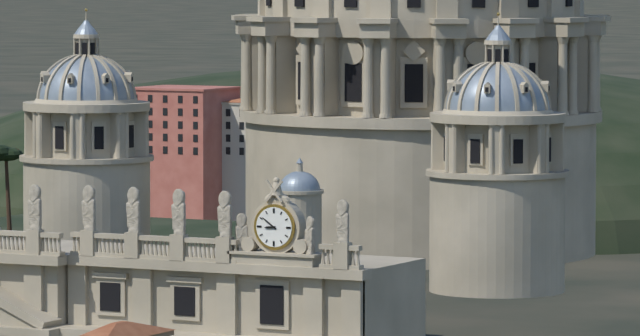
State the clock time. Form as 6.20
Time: 8.51
